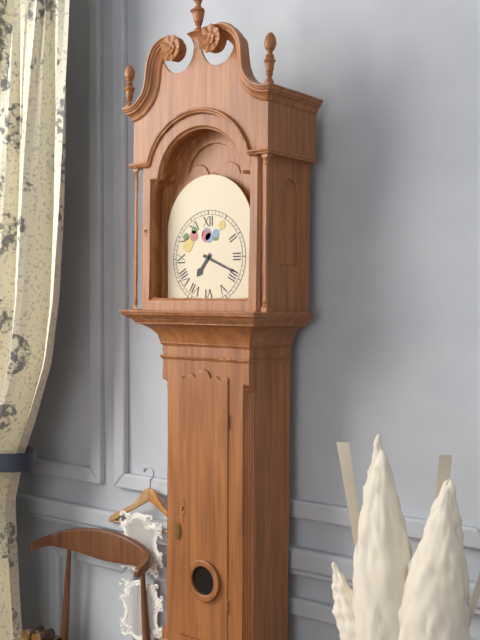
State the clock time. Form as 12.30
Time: 7.19
